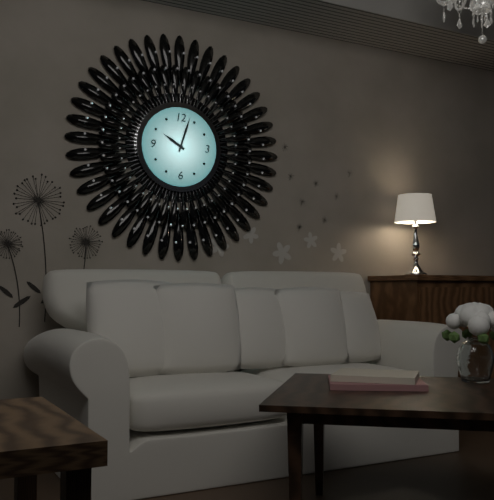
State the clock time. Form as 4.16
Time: 10.03
